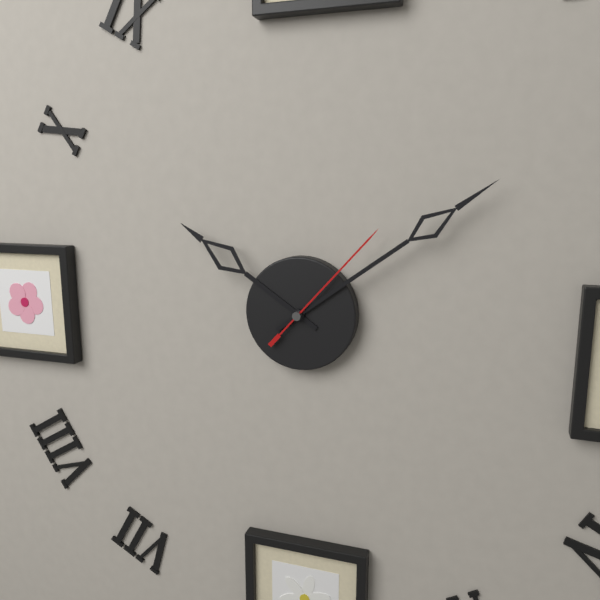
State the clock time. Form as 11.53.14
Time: 10.09.07
